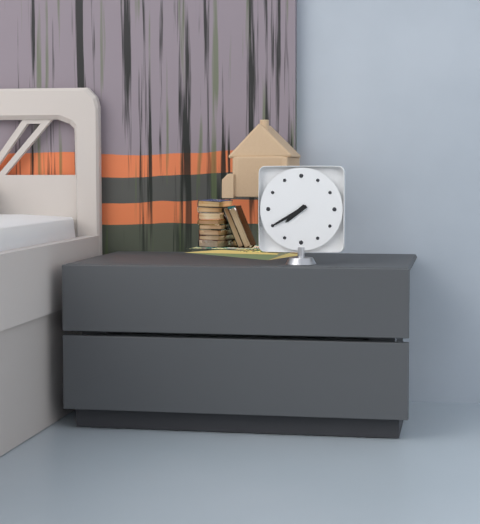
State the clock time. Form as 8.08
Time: 7.40
